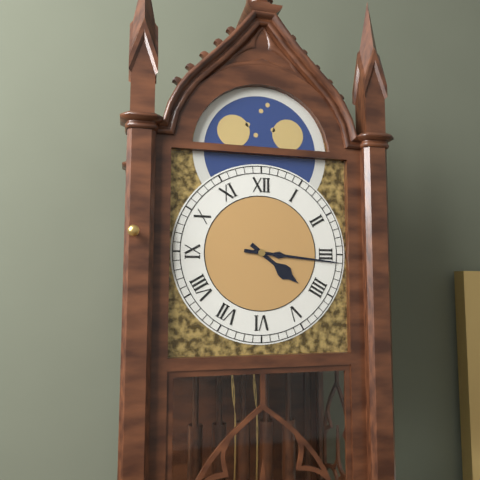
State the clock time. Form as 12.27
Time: 4.16
